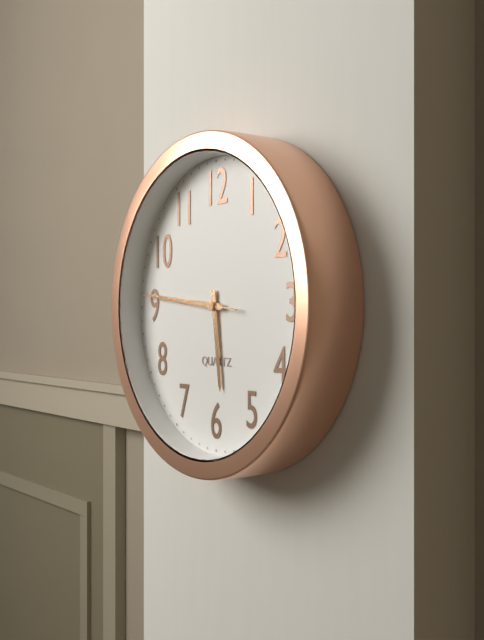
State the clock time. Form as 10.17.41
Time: 5.46.46
